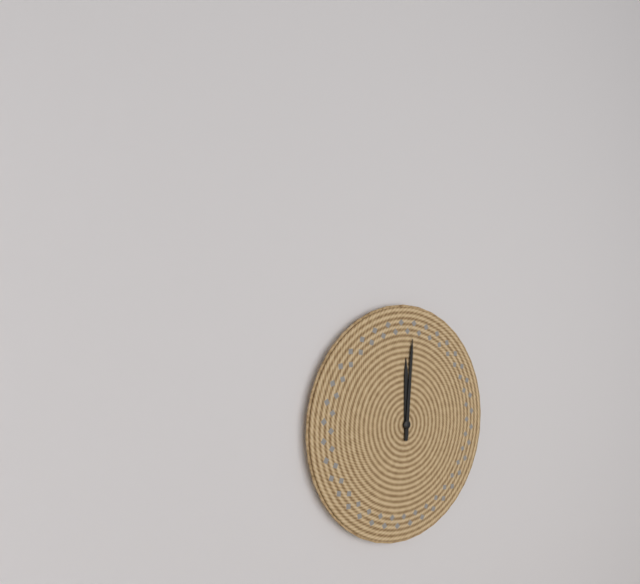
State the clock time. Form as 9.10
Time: 12.01
